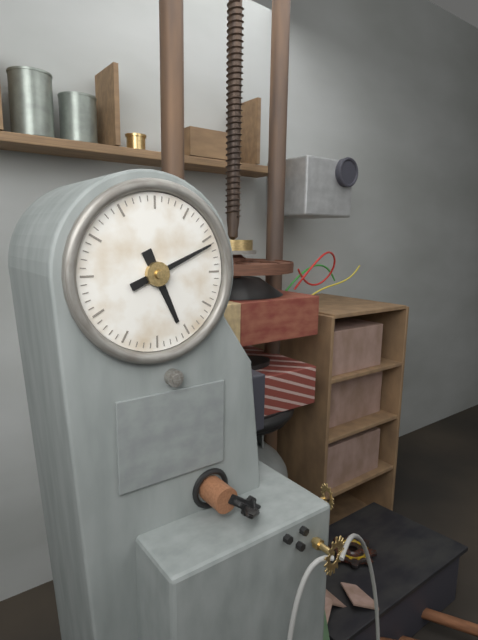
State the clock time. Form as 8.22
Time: 5.11
